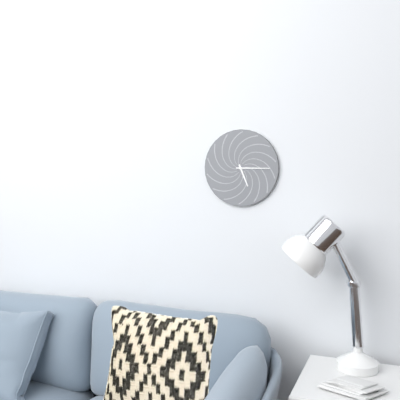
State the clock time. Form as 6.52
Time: 5.15
